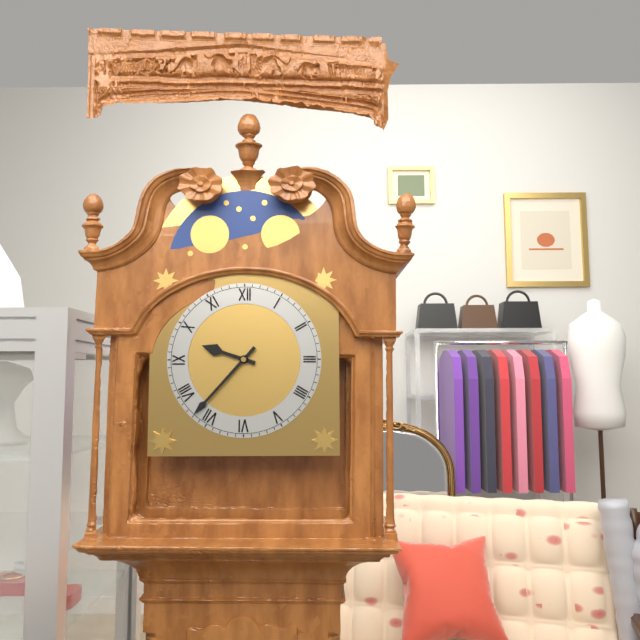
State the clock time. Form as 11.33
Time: 9.37
